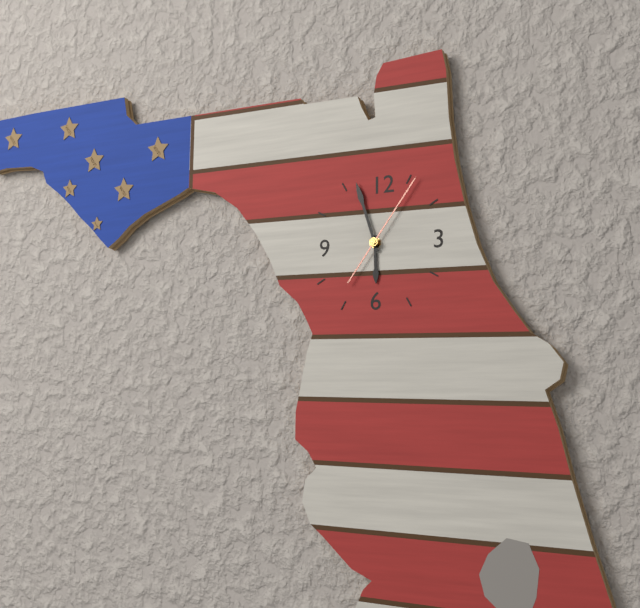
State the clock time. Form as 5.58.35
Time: 5.57.06
